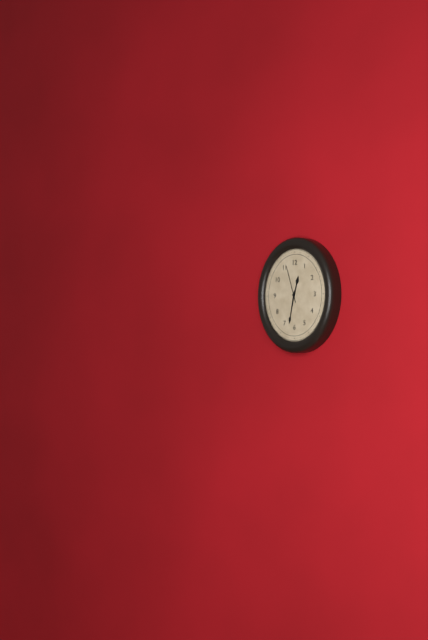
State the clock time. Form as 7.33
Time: 12.32
